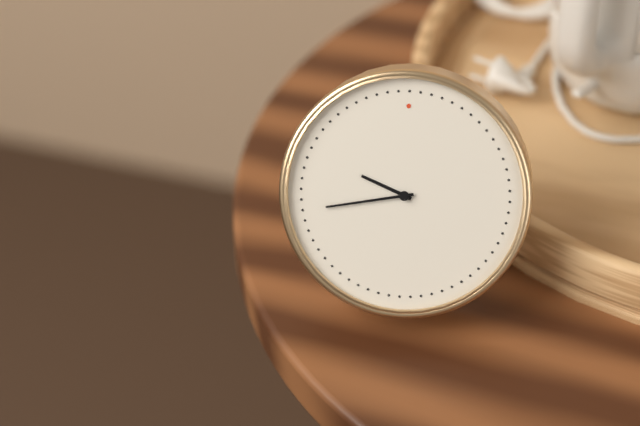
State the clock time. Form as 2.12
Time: 9.43
